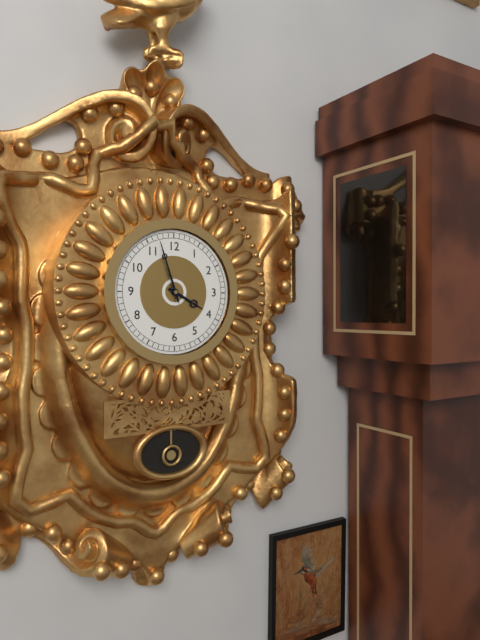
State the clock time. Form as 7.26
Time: 3.57
